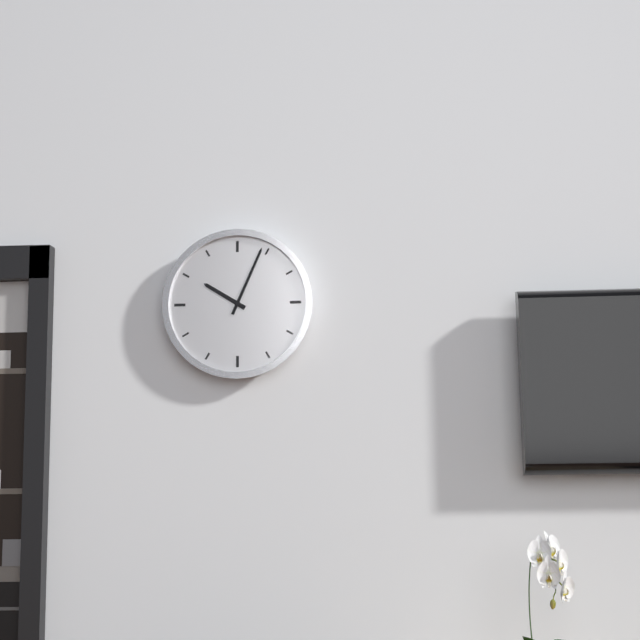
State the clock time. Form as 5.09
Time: 10.04
